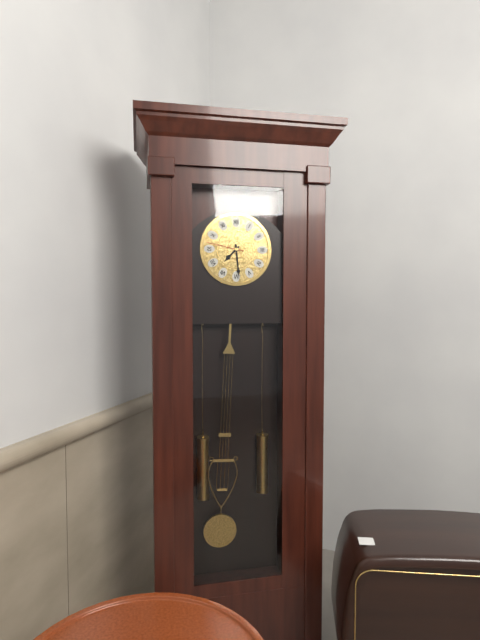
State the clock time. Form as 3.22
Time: 7.29
